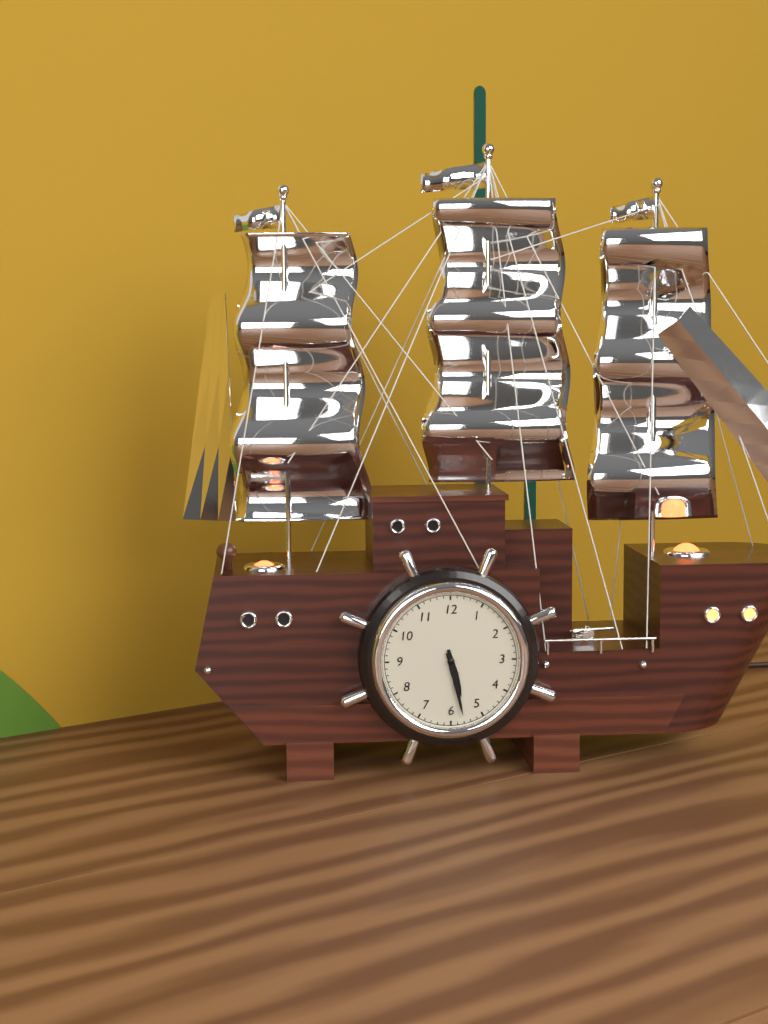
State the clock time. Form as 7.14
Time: 5.28
